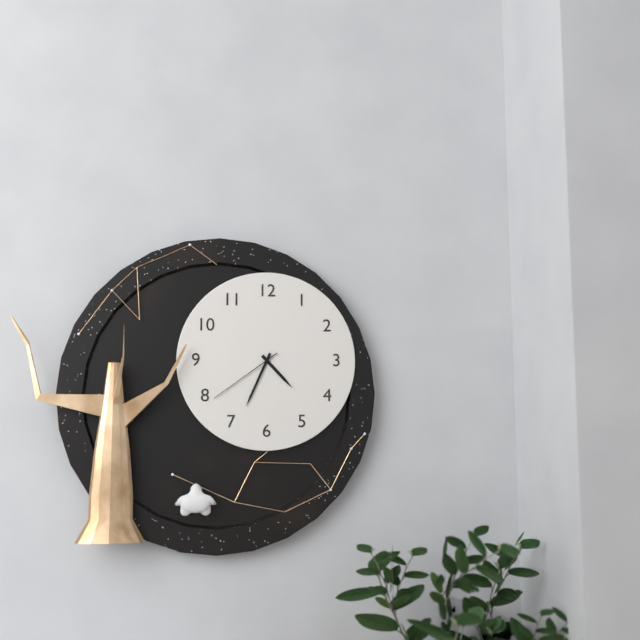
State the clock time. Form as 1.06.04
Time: 4.34.39
